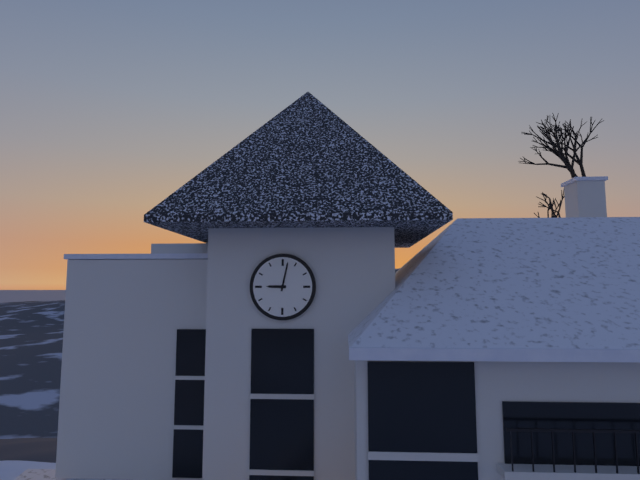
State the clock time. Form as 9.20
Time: 9.02
